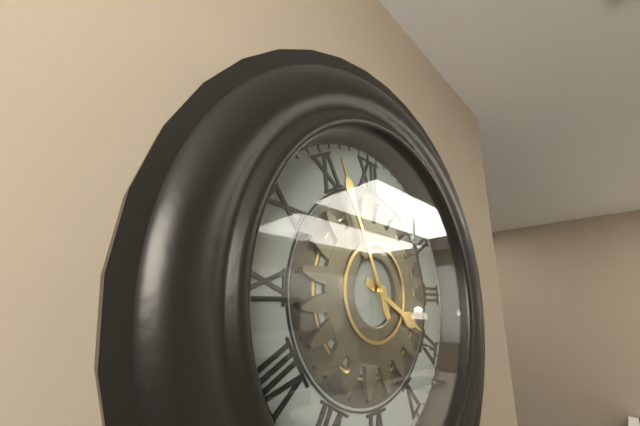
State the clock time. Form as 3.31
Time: 3.56
